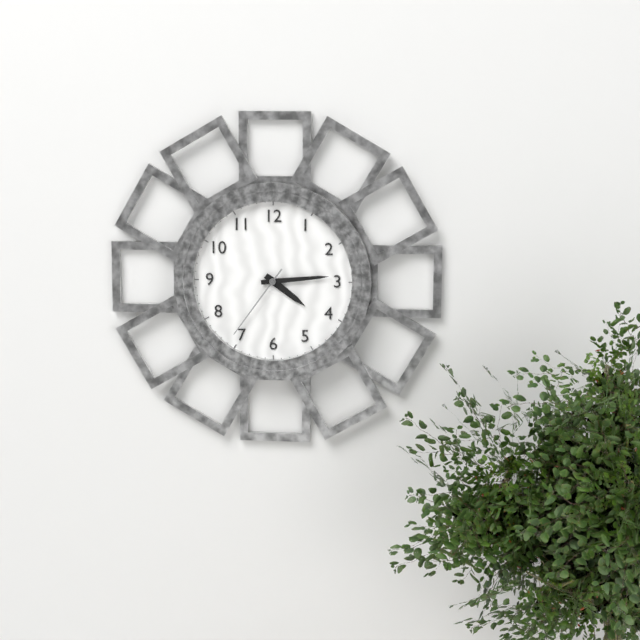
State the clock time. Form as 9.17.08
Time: 4.14.36
